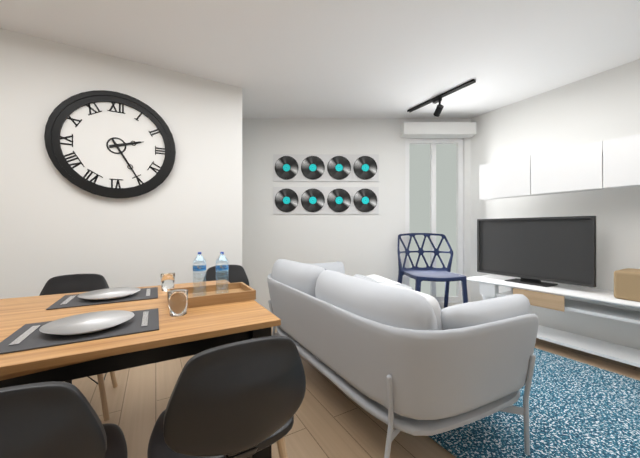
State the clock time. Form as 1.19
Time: 2.25
